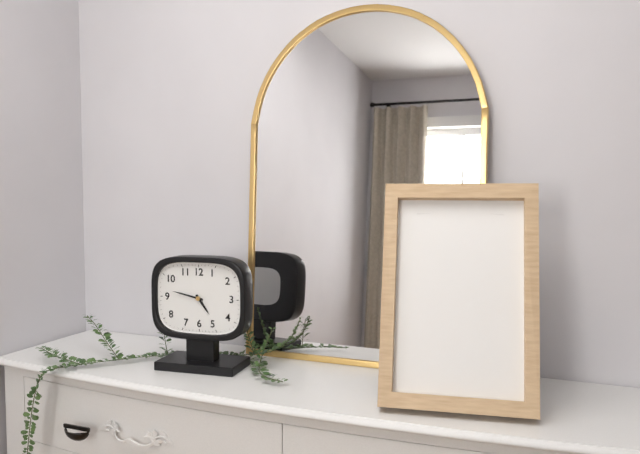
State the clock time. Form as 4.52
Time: 4.47
